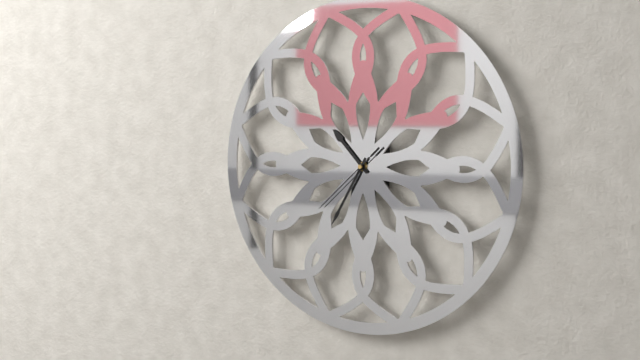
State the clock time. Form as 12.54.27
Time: 10.35.38
